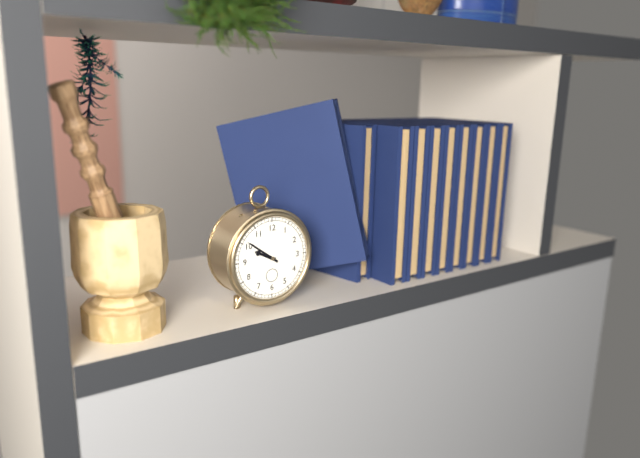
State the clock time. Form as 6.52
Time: 9.51
